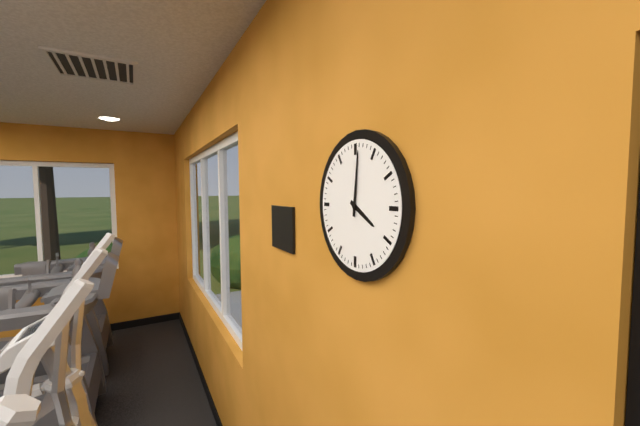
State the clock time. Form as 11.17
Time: 4.01
